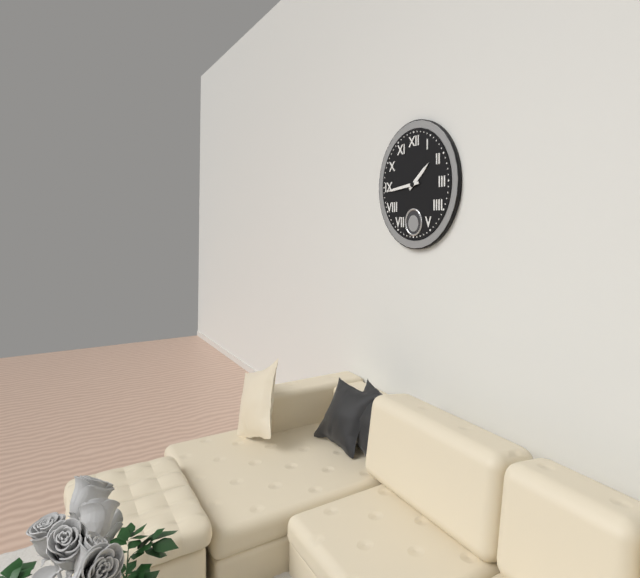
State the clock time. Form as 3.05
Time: 1.44
